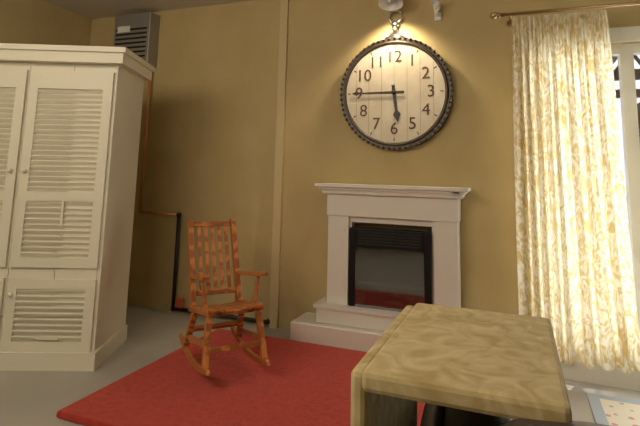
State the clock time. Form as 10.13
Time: 5.45
